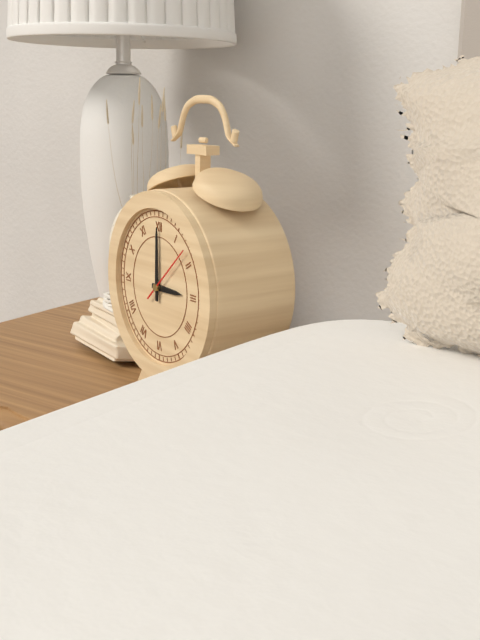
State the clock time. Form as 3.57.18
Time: 3.00.08
